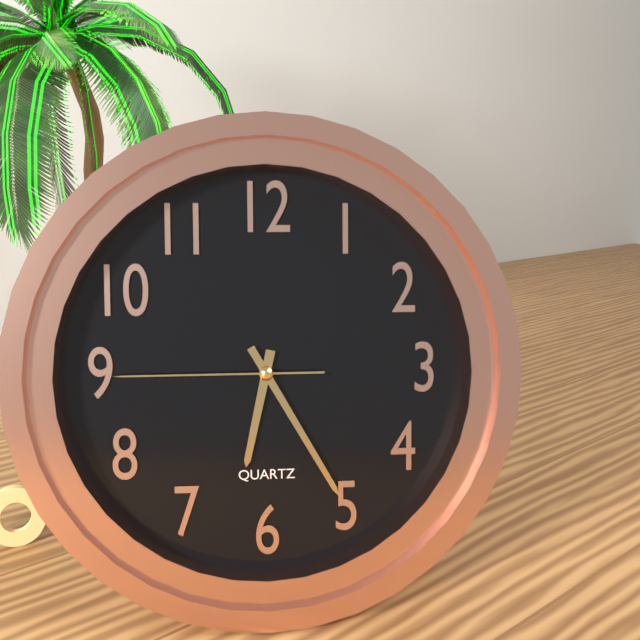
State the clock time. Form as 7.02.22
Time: 6.25.45
